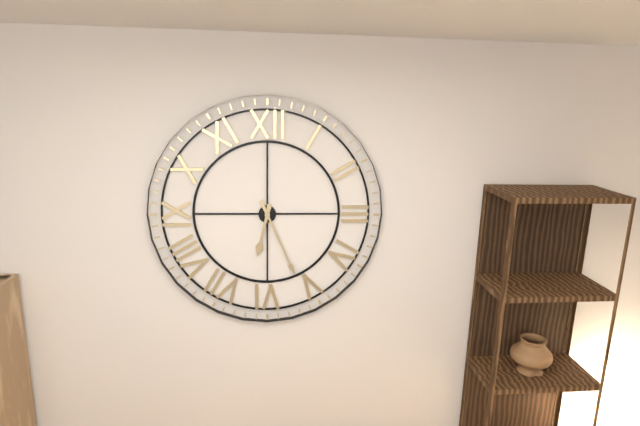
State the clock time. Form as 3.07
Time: 6.26
